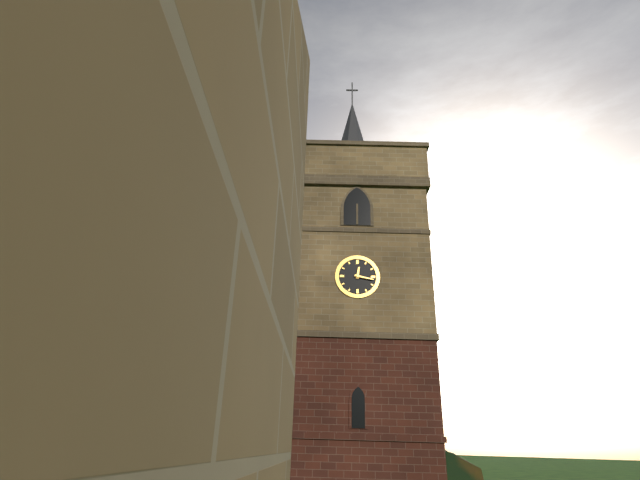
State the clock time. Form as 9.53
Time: 12.17
